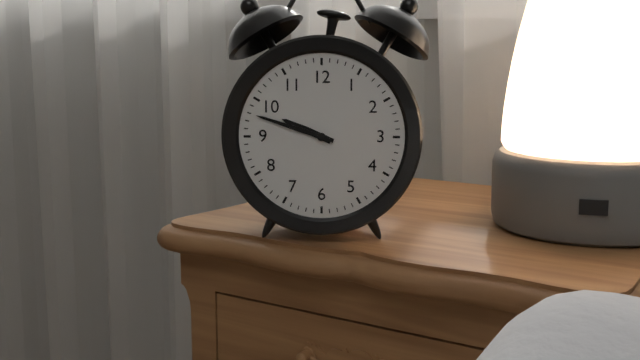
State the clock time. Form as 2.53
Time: 9.48
